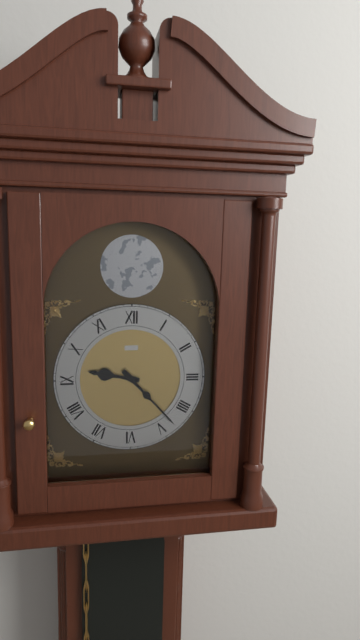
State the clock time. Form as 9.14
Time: 9.23
